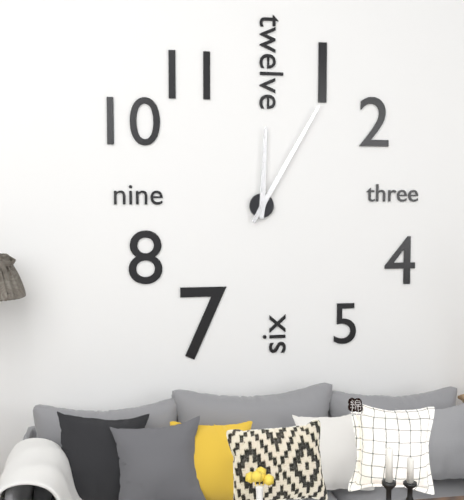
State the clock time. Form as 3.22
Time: 12.05
